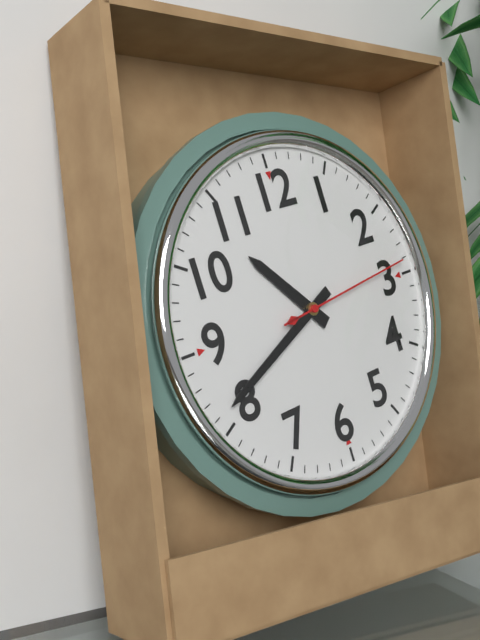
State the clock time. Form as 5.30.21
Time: 10.41.14
